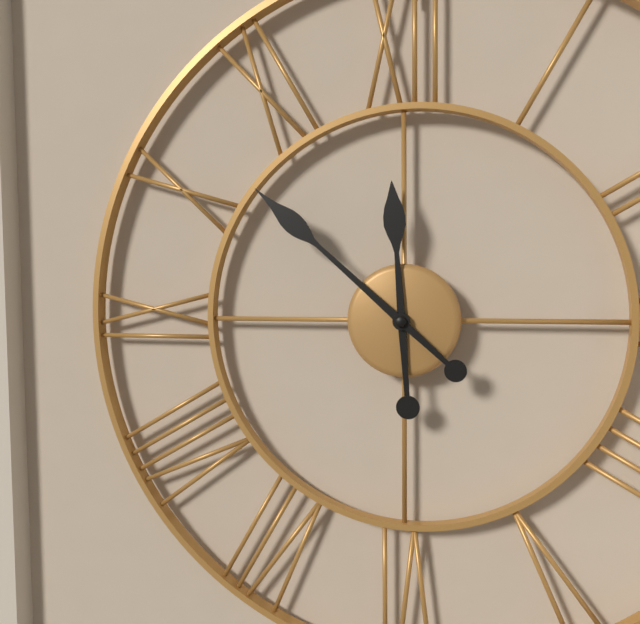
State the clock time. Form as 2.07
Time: 11.52
